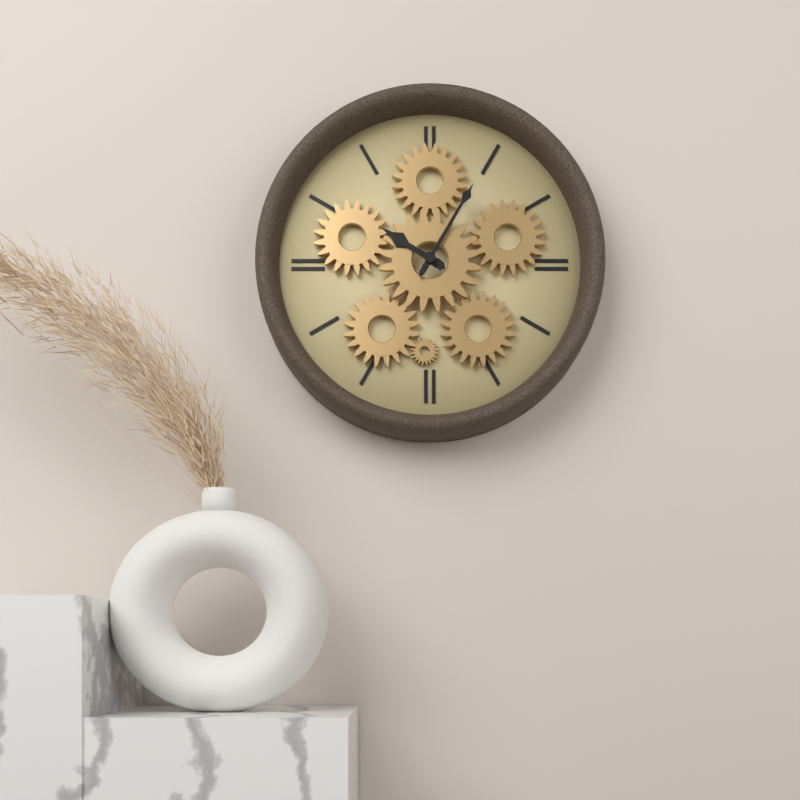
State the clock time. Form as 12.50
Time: 10.05
